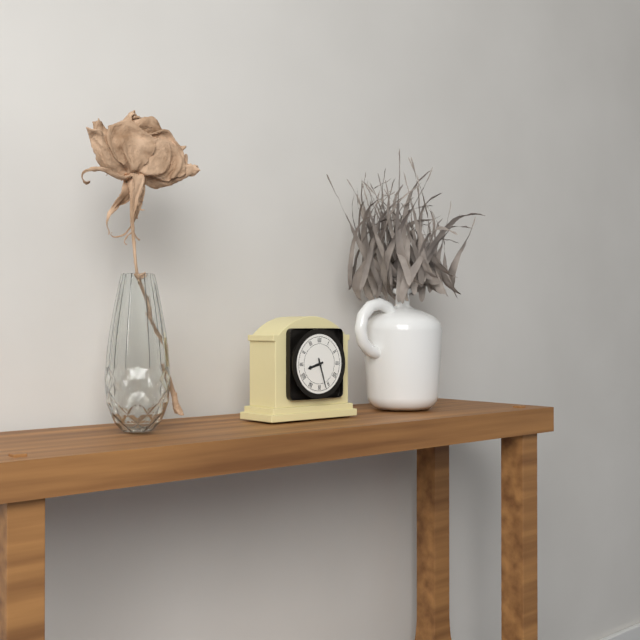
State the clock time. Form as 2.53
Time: 8.27
